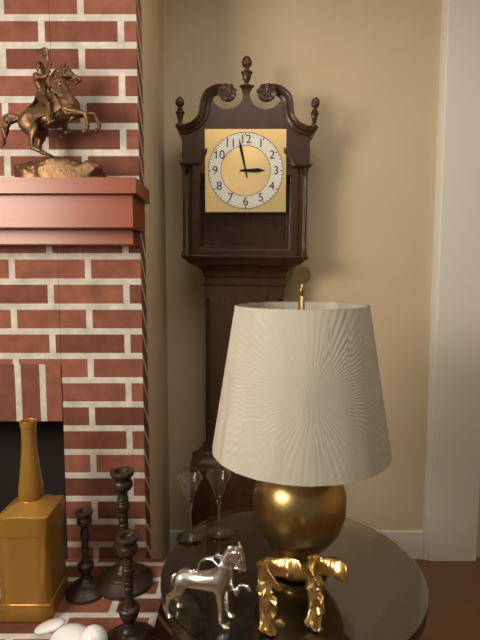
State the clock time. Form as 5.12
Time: 2.58
